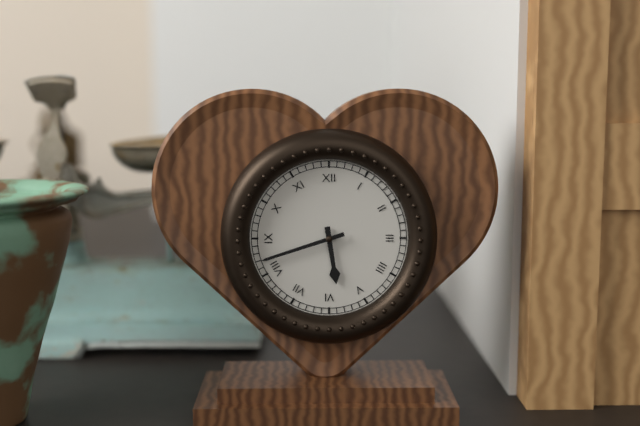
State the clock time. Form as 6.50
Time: 5.42
